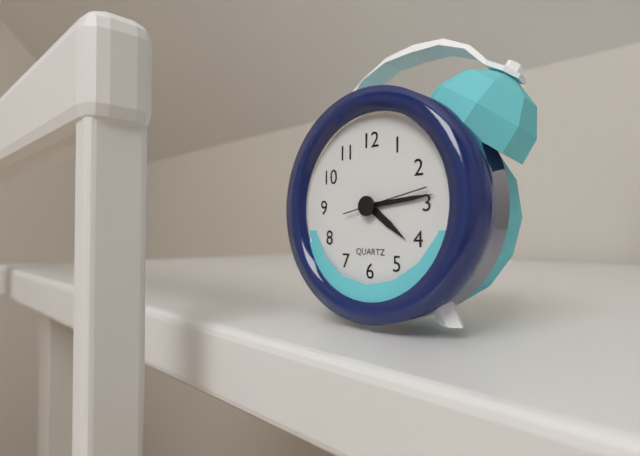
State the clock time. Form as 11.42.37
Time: 4.14.13
